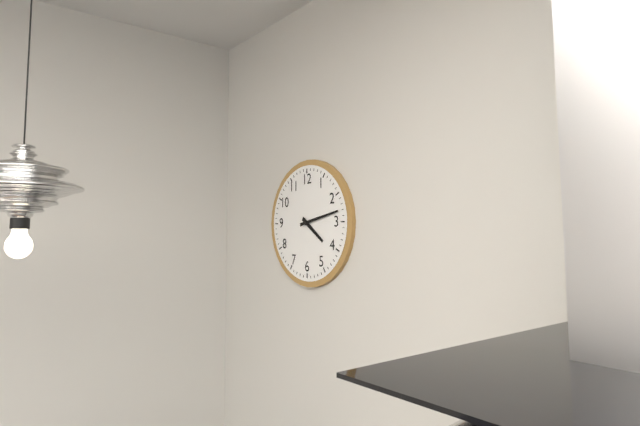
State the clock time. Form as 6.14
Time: 4.13
